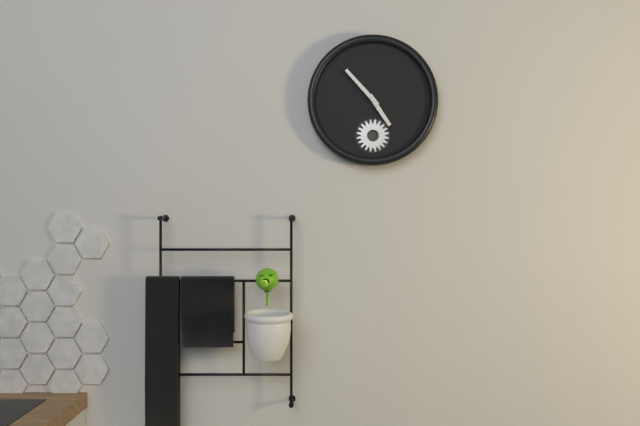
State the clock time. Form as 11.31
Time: 4.53
